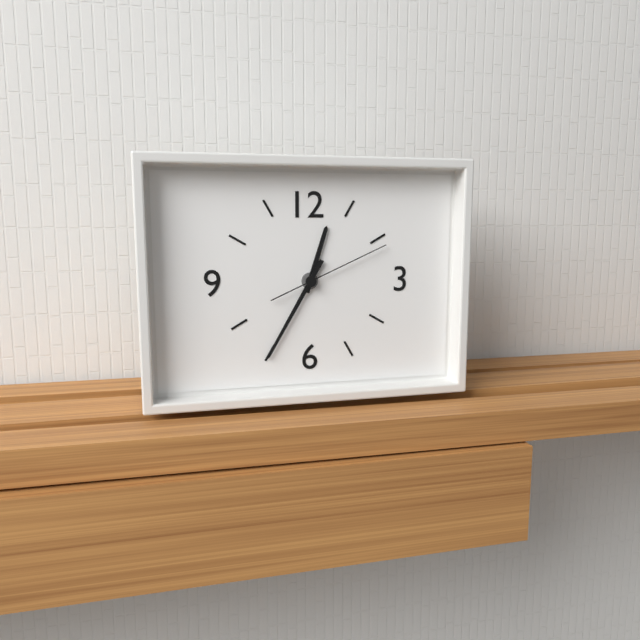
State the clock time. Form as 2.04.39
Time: 12.35.11
